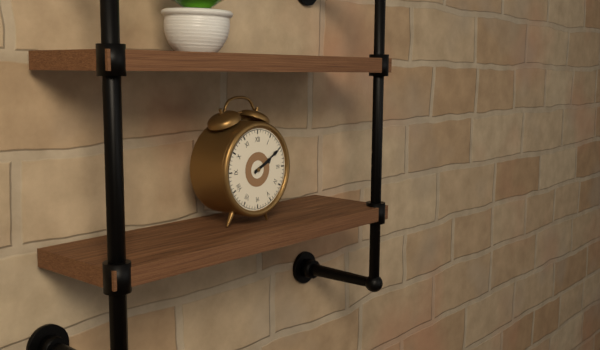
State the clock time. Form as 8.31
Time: 2.10
